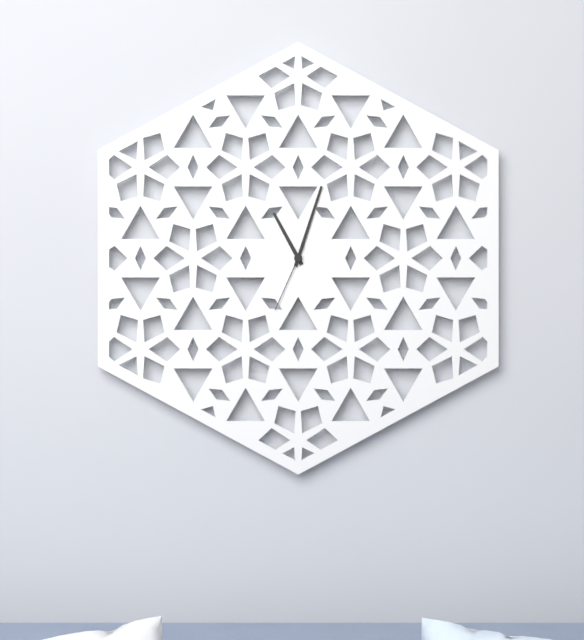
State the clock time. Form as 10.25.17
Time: 11.03.34
